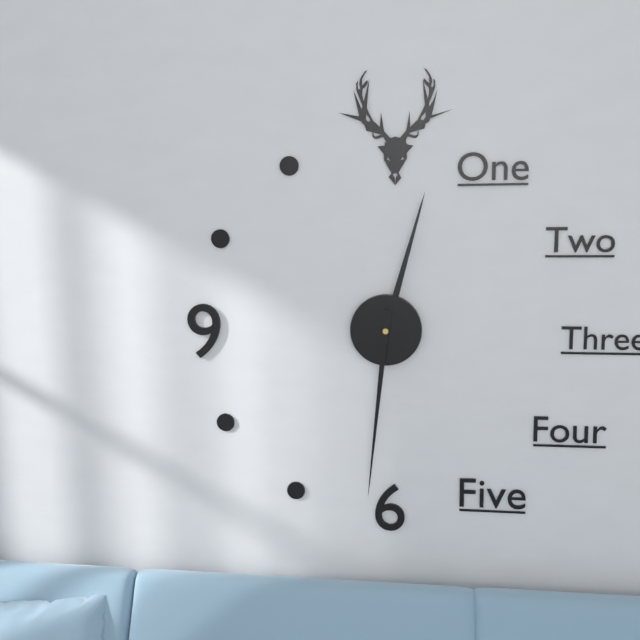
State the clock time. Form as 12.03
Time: 12.31
